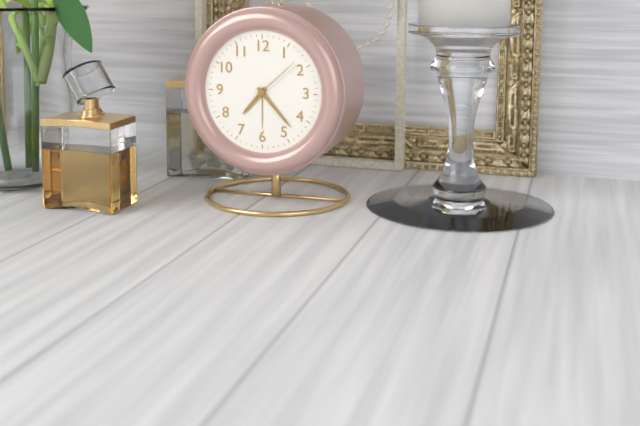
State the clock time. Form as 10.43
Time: 7.23
